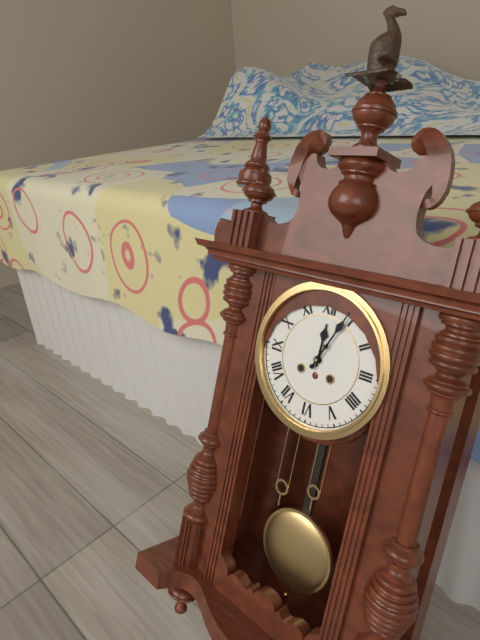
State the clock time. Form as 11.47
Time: 12.04
